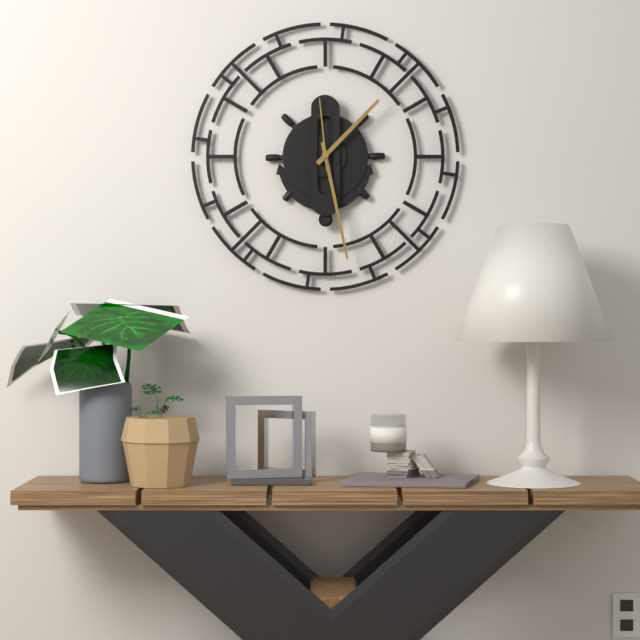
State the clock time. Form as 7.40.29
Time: 1.28.59
